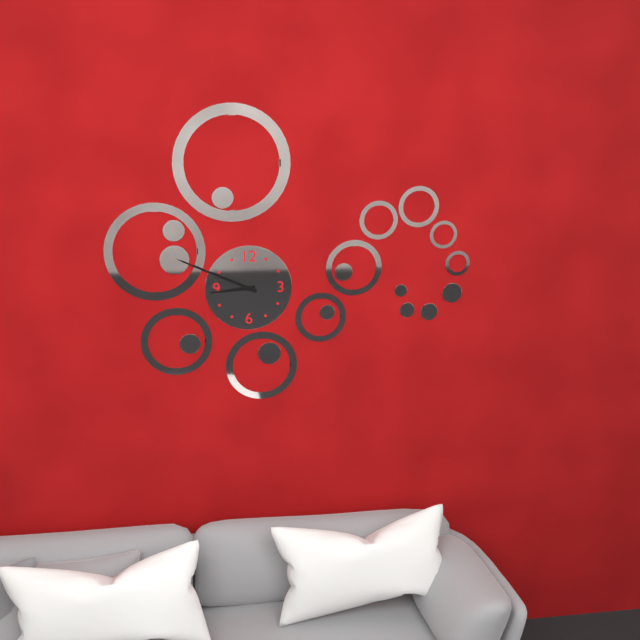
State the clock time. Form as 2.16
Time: 8.49
